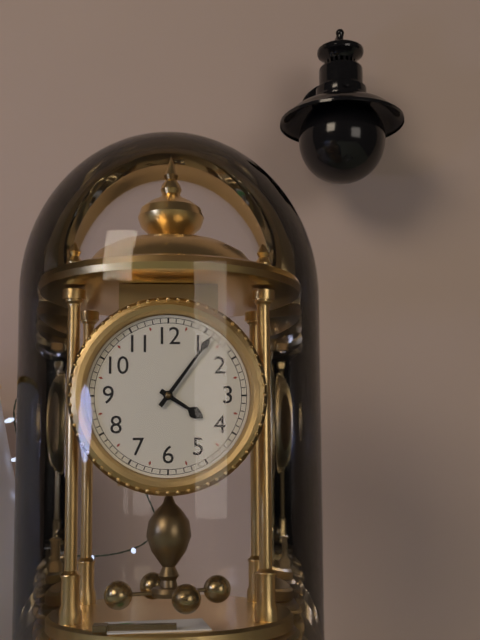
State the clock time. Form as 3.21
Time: 4.06
